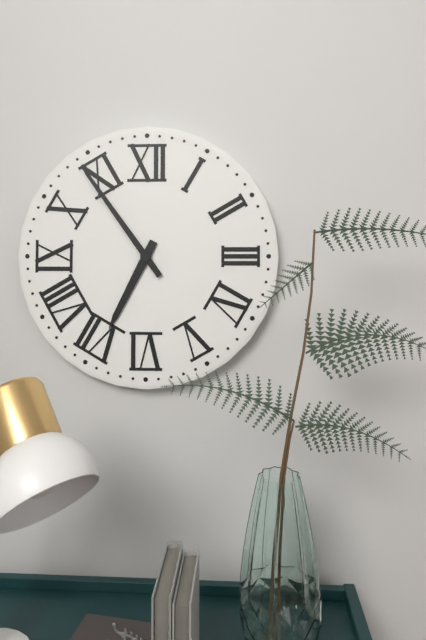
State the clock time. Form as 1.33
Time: 6.54
